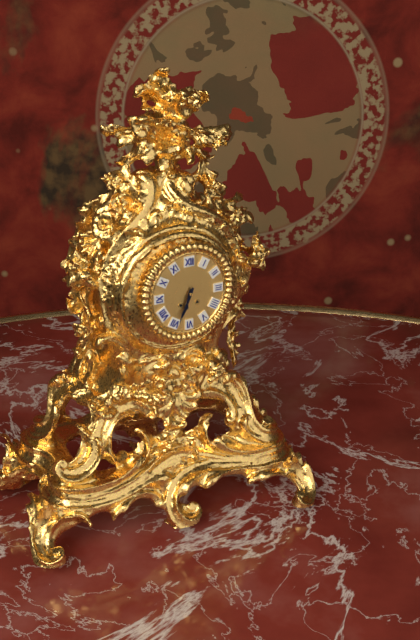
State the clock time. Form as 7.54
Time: 6.34
